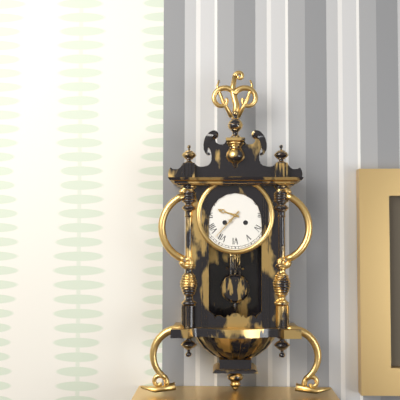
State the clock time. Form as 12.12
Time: 9.37
